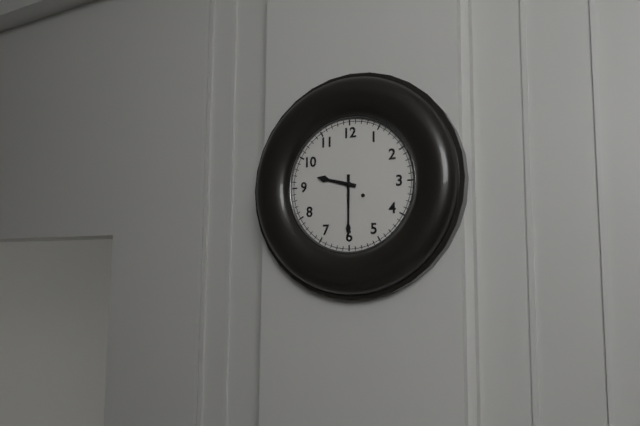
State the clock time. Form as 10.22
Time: 9.30
